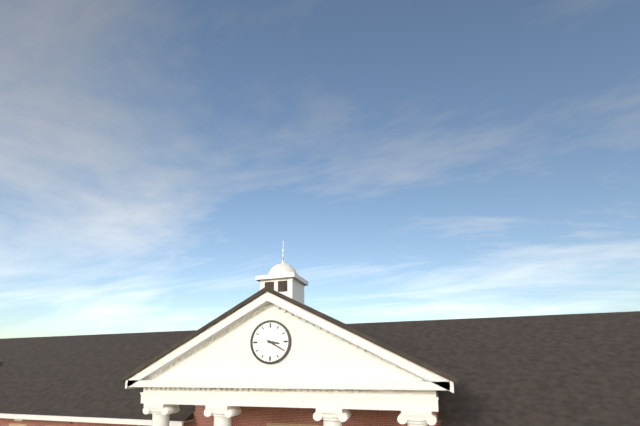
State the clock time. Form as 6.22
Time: 3.20
